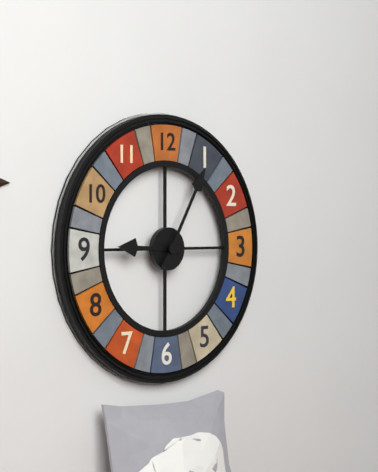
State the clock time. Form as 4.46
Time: 9.05
